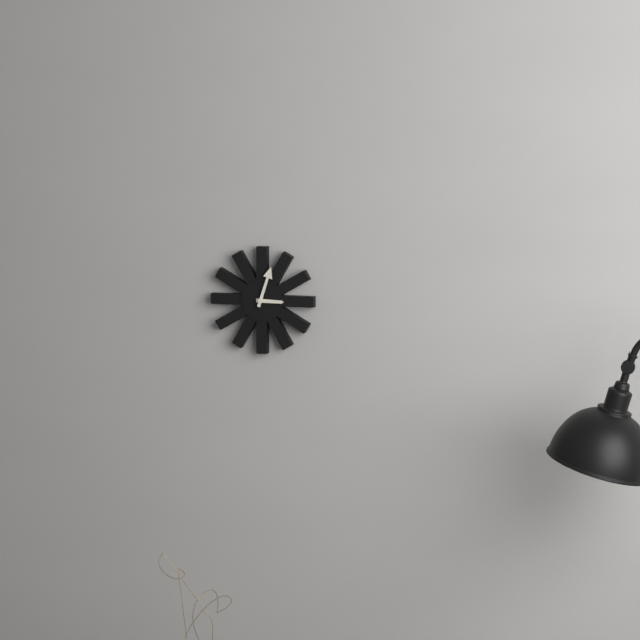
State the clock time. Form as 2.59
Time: 3.03
